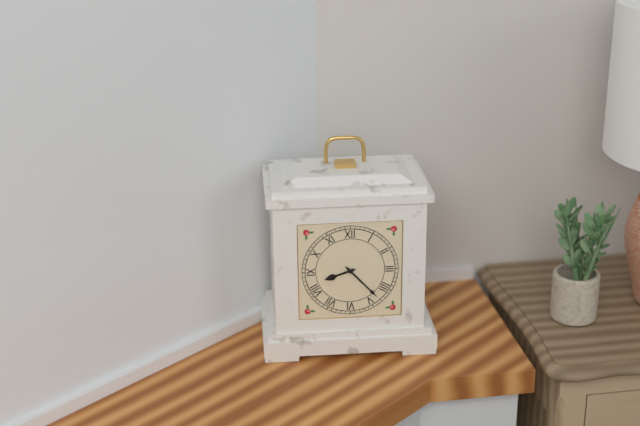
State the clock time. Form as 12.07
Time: 8.23
